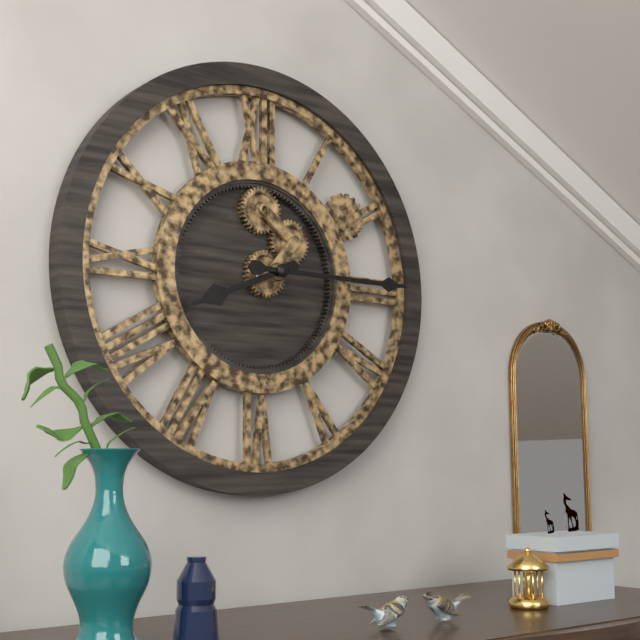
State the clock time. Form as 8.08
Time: 8.15
